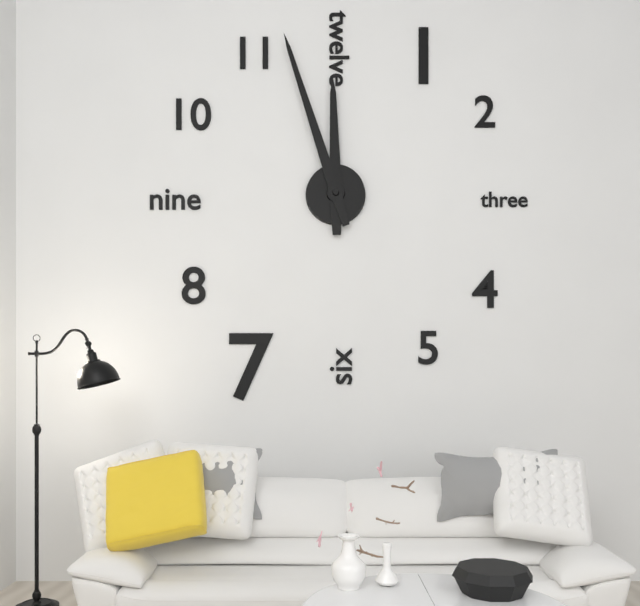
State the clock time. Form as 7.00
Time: 11.57
